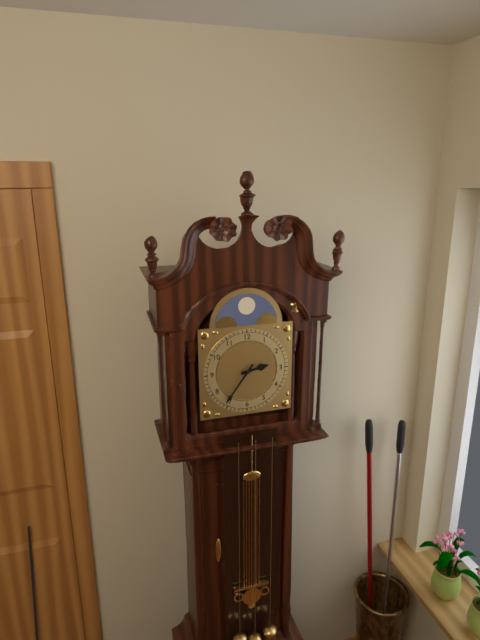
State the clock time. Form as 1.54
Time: 2.36
